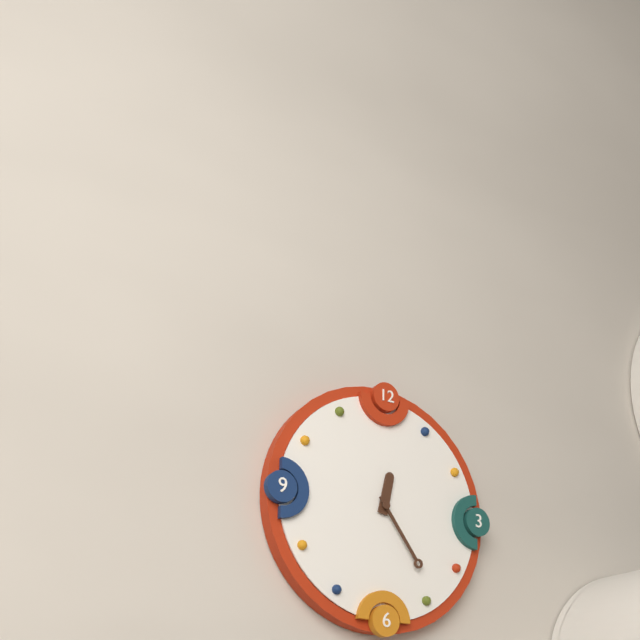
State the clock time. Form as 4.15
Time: 12.24
